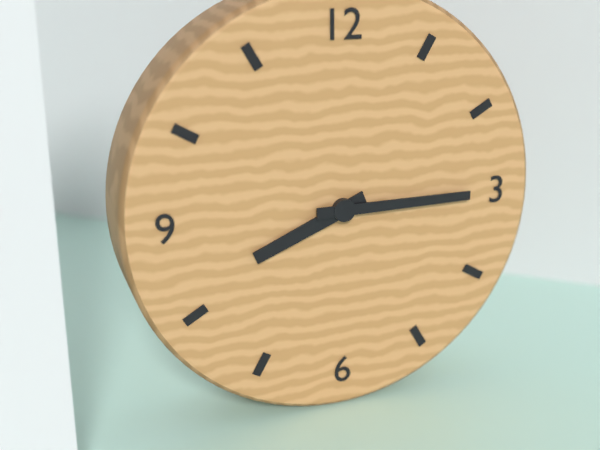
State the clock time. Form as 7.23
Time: 8.15
